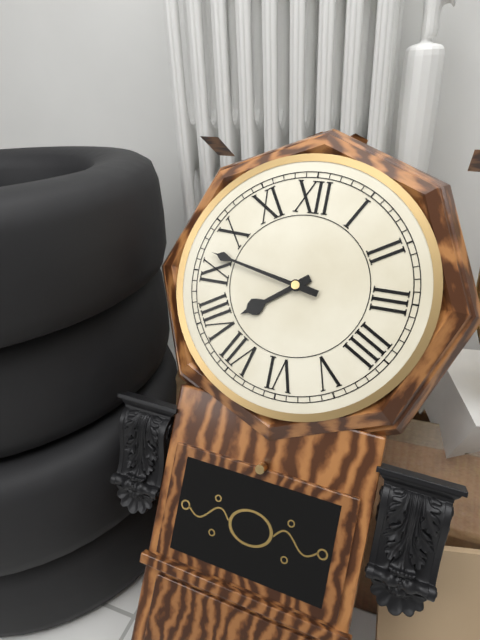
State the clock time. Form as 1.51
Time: 7.47
